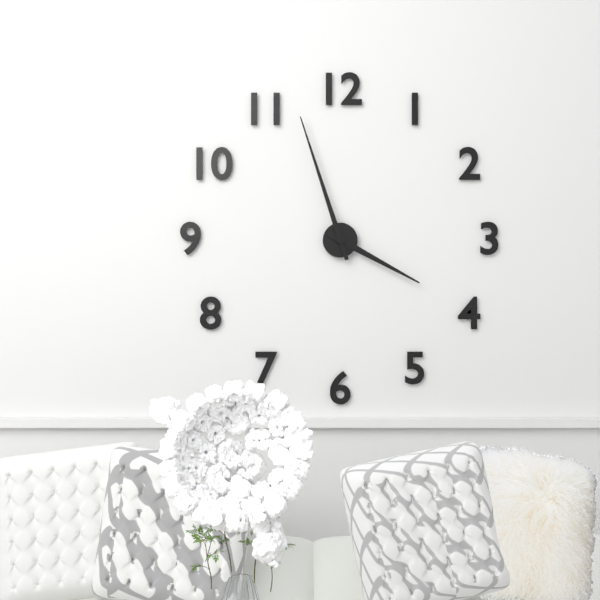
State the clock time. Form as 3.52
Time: 3.57
